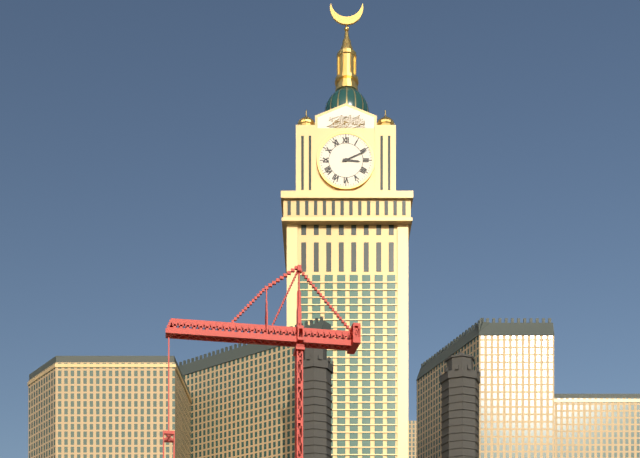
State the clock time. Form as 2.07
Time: 3.11
